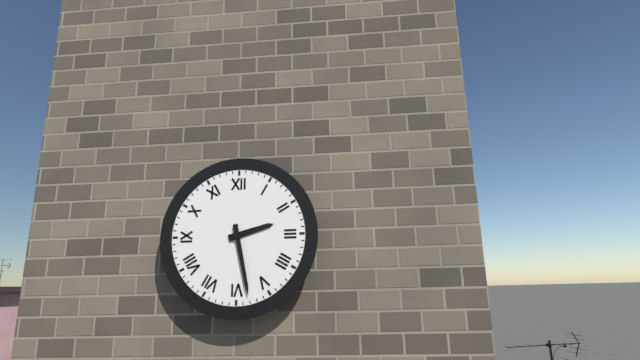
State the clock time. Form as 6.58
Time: 2.28
